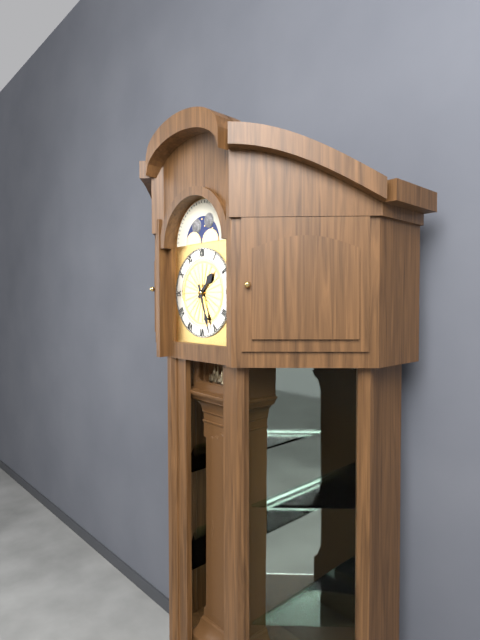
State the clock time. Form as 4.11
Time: 1.27
